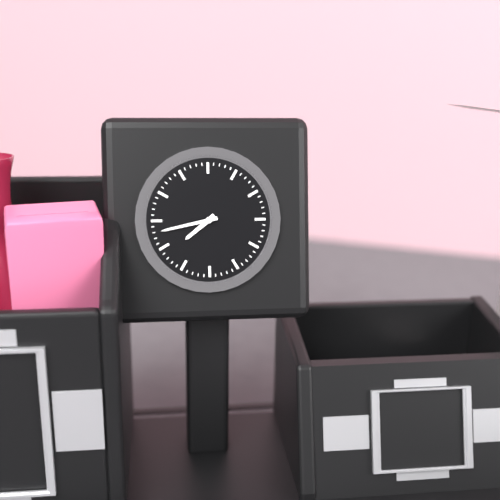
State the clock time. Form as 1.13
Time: 7.43
